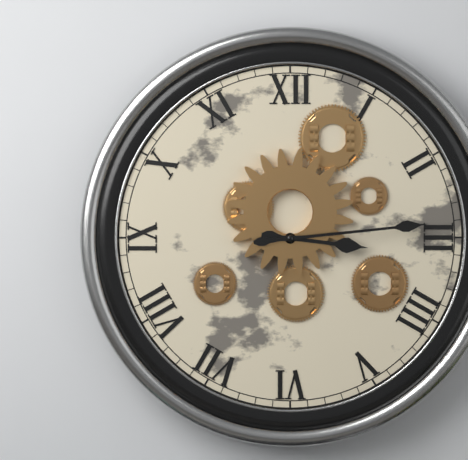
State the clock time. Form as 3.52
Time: 3.14
